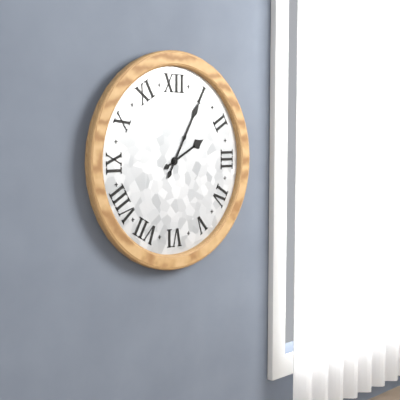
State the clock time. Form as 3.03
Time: 2.05
